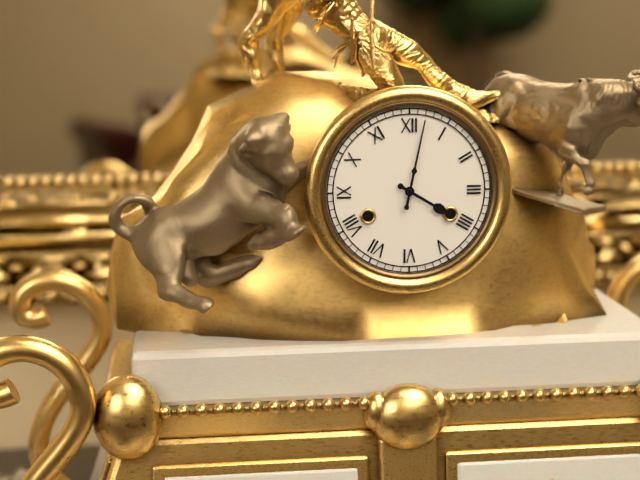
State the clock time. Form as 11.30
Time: 4.02
